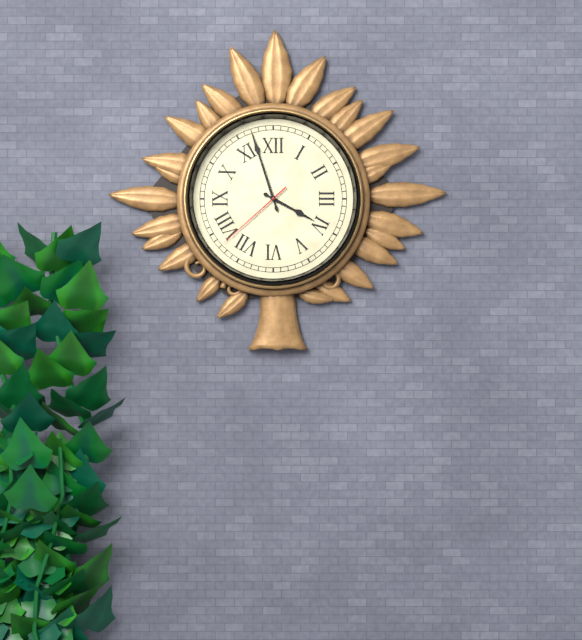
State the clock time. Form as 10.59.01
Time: 3.57.38
